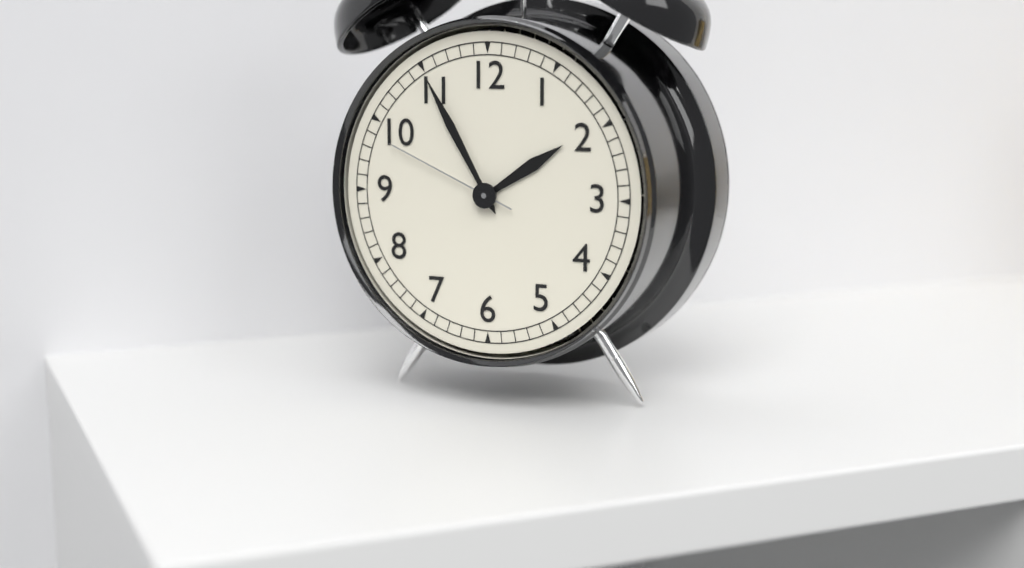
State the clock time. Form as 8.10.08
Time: 1.55.49
